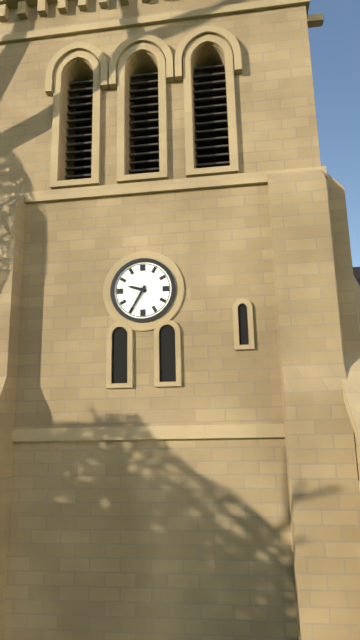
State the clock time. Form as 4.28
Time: 9.35
